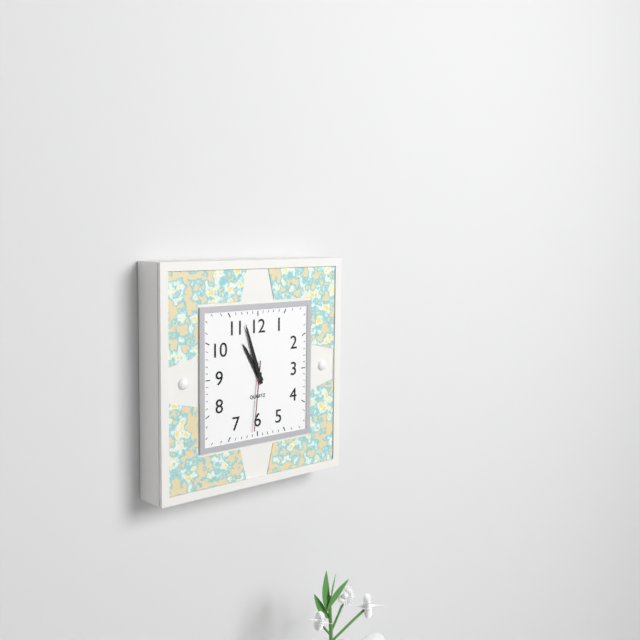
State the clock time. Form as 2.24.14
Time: 10.57.31
